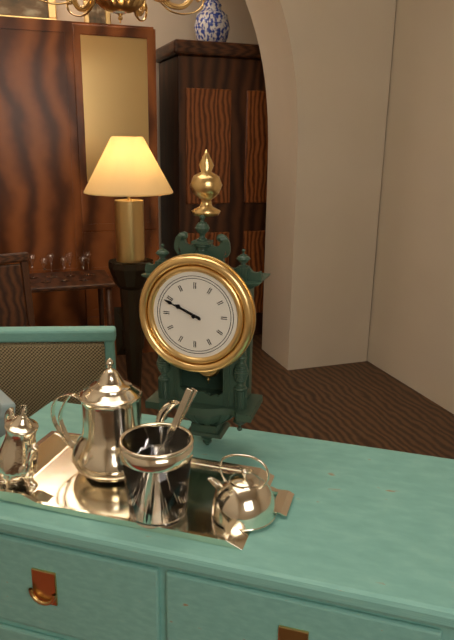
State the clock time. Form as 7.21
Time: 9.49
